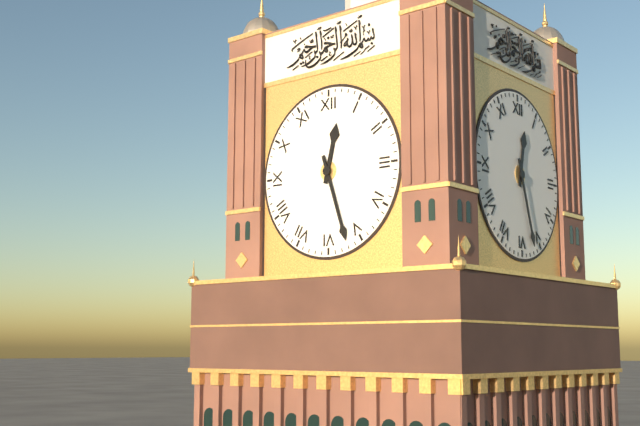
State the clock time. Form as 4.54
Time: 12.27
